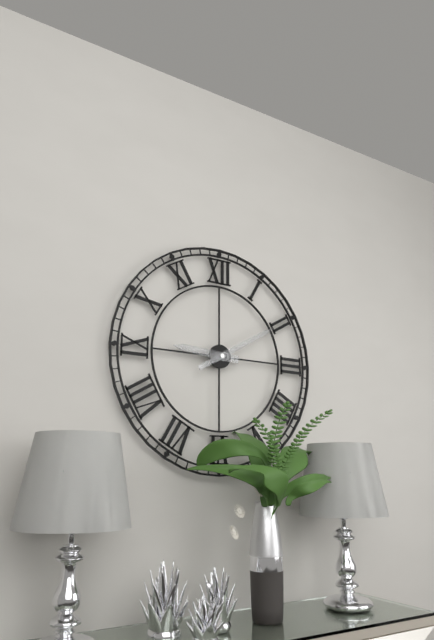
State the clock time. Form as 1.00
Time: 9.10
